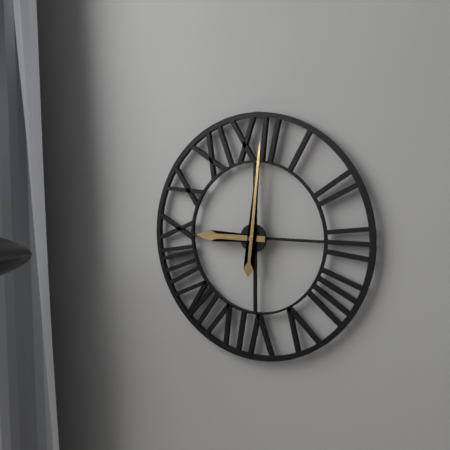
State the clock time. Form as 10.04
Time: 9.01
